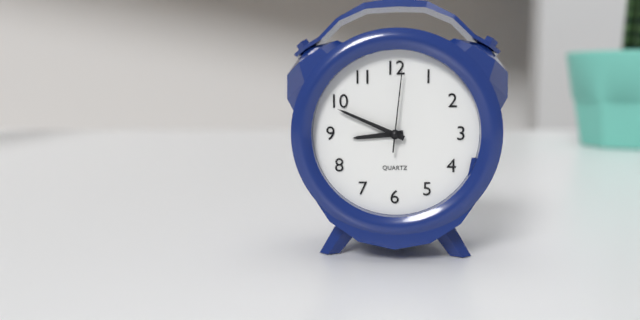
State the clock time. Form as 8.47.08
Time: 8.49.01
